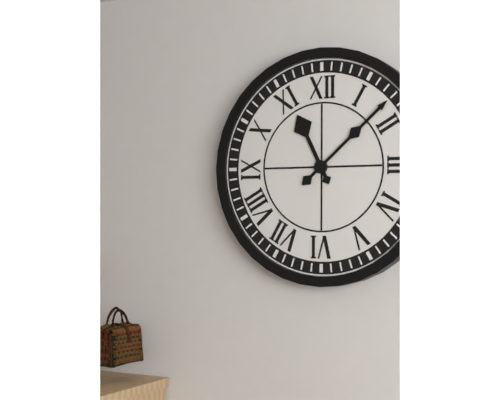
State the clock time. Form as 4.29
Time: 11.08
